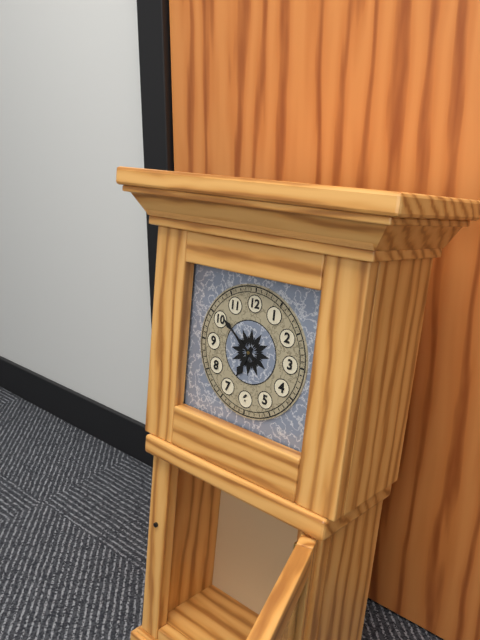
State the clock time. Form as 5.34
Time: 6.51
